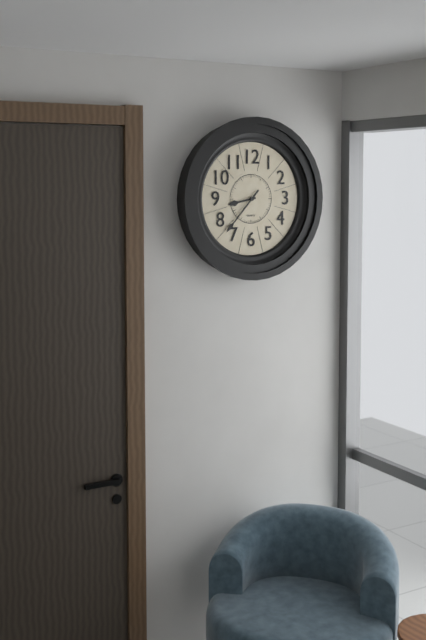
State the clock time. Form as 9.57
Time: 8.37
